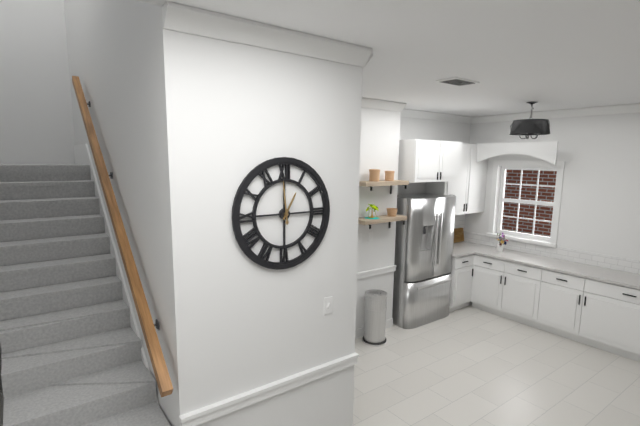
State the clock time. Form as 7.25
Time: 12.59
